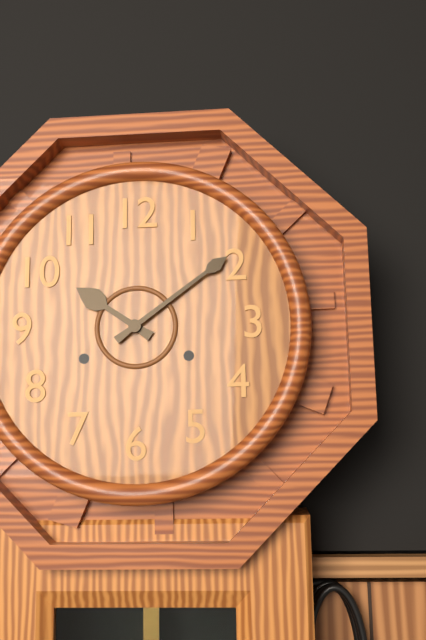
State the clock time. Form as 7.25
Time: 10.09
